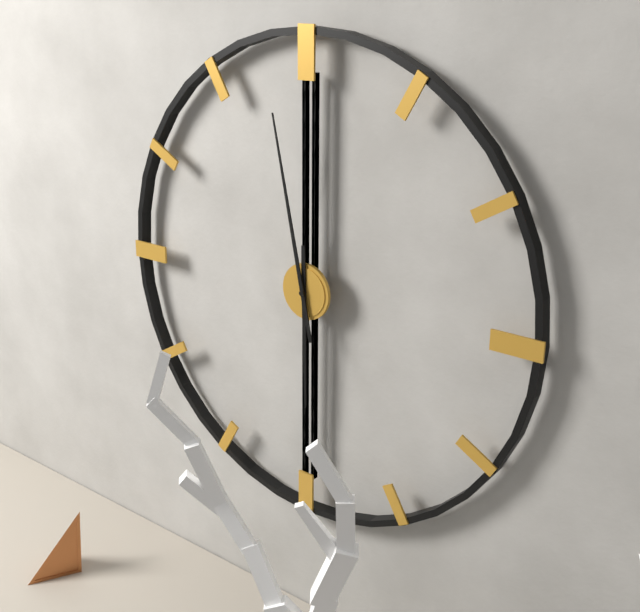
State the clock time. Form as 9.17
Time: 5.58
